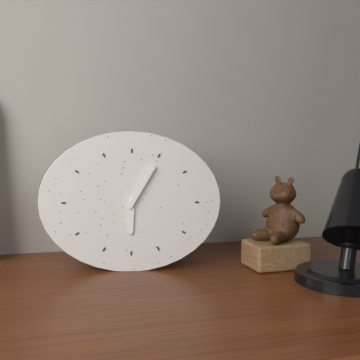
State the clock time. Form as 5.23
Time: 6.05
